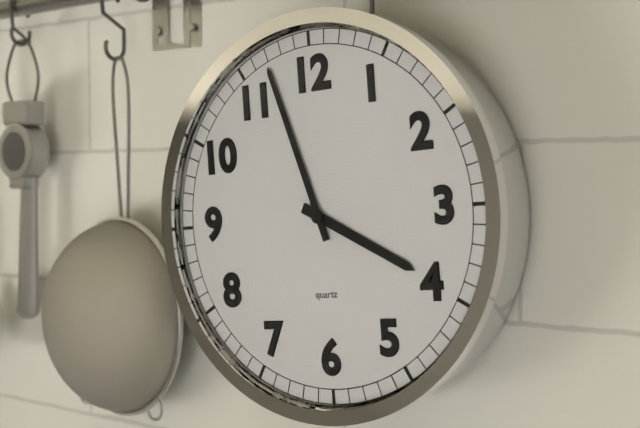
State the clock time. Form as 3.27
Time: 3.57
